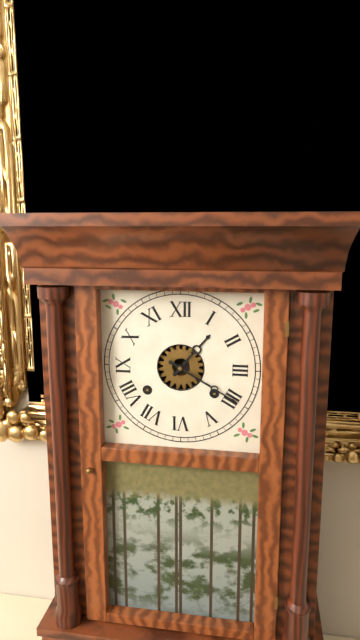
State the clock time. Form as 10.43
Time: 1.20
